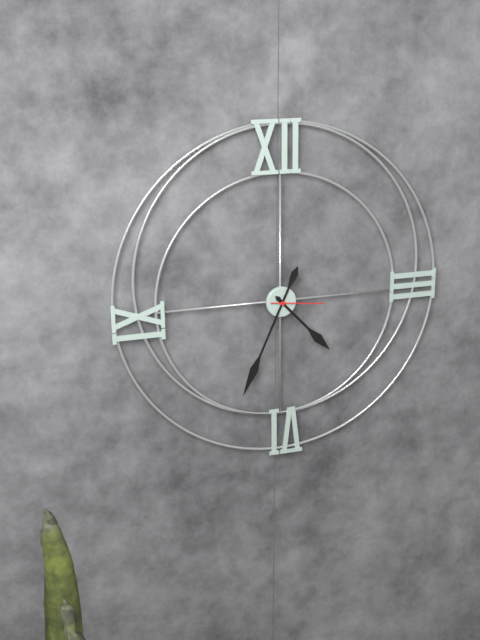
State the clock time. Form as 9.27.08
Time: 4.34.16
